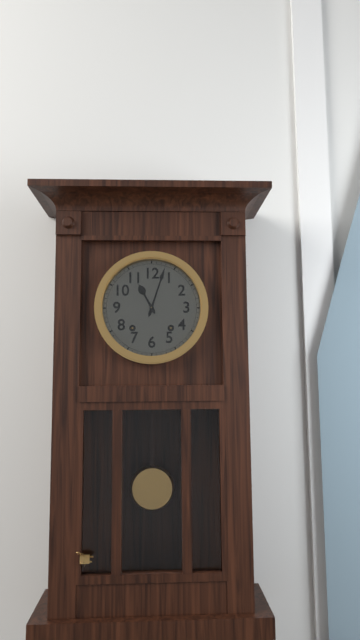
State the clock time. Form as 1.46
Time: 11.03
